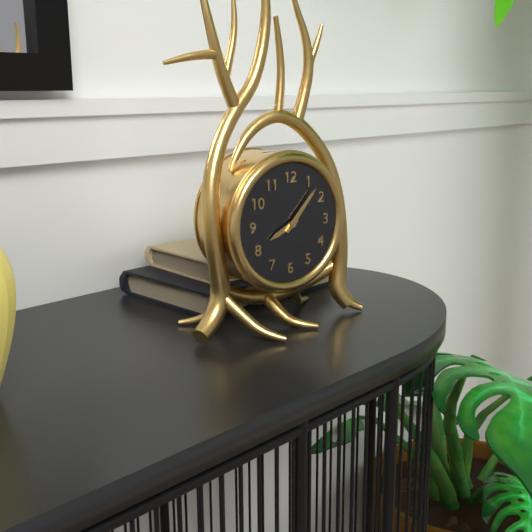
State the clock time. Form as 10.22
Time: 8.07
